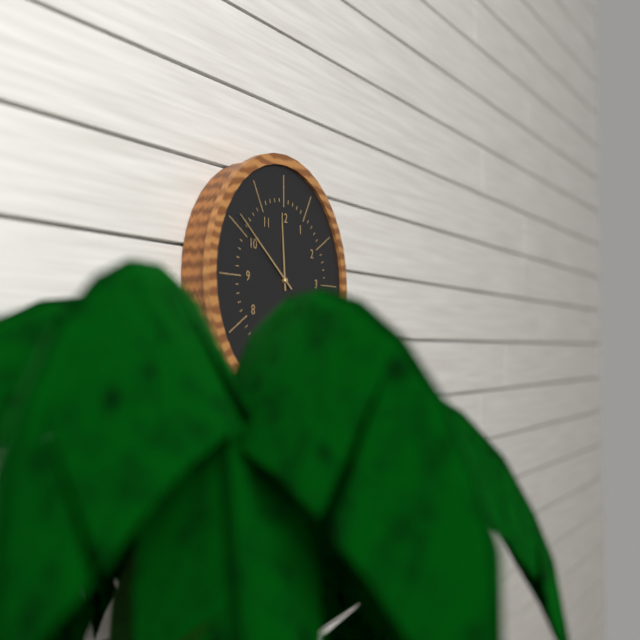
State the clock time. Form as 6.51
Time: 11.51
